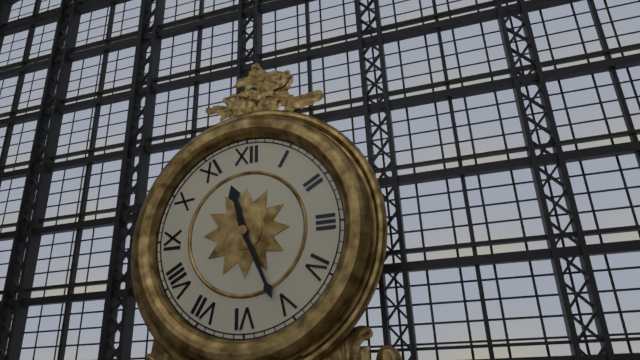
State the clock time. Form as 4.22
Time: 11.26
